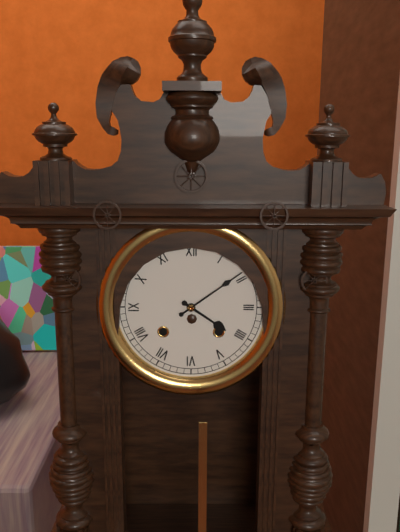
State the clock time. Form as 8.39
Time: 4.09
